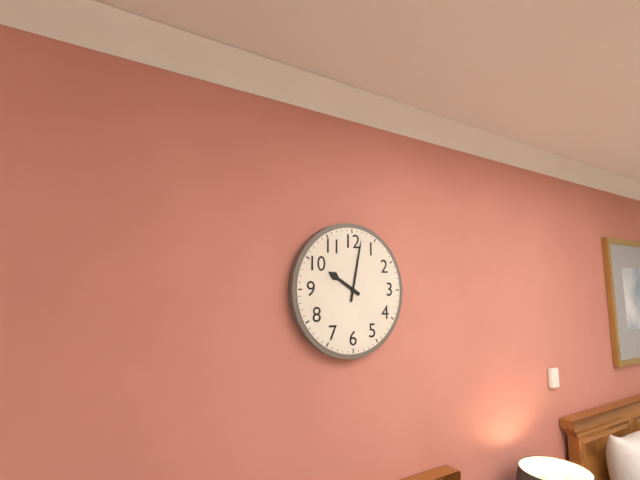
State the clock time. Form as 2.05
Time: 10.02
